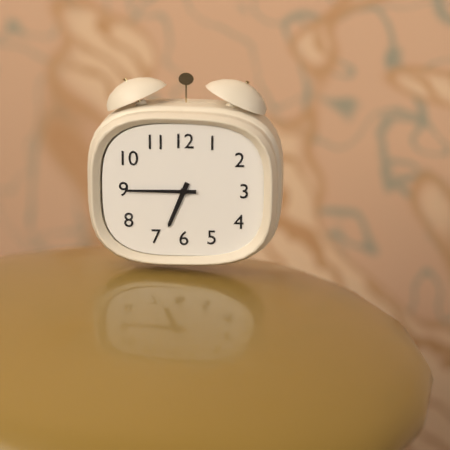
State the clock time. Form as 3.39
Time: 6.45
